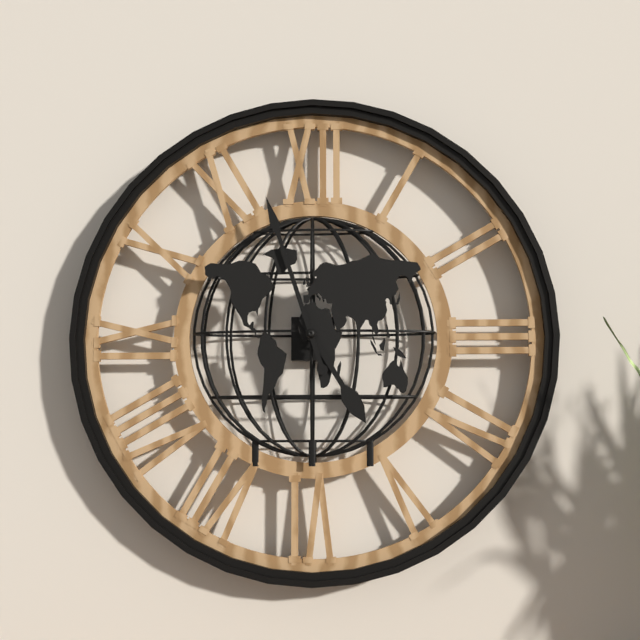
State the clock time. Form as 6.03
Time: 4.57
